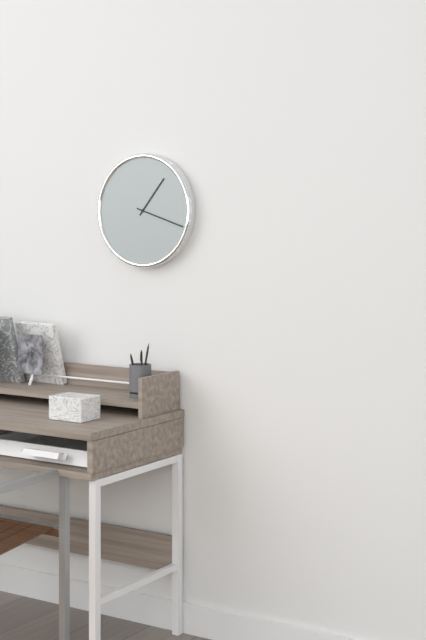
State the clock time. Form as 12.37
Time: 1.18
